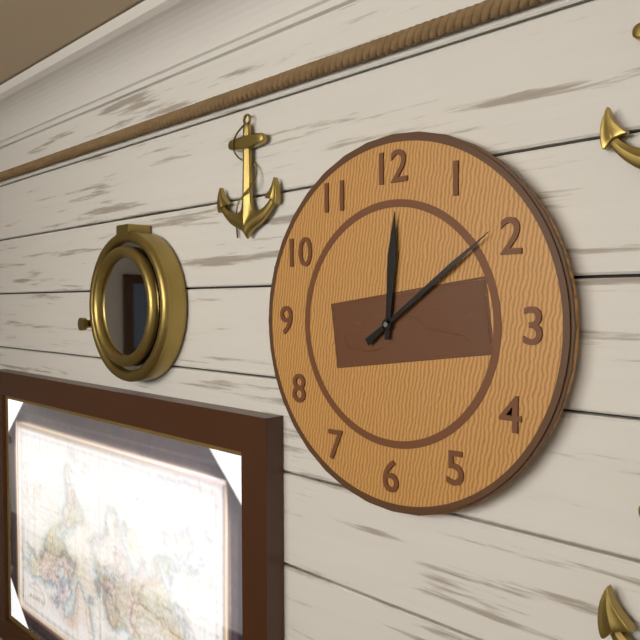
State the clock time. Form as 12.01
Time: 12.09
